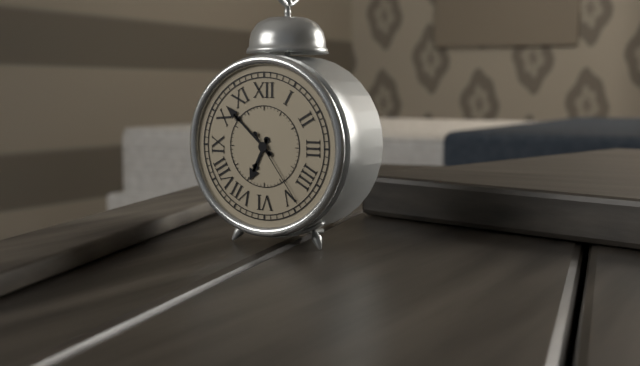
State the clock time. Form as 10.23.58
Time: 6.52.24
